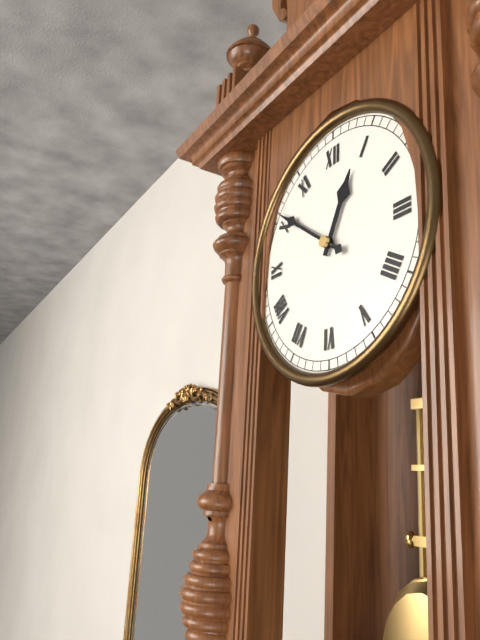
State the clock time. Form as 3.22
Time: 12.51
